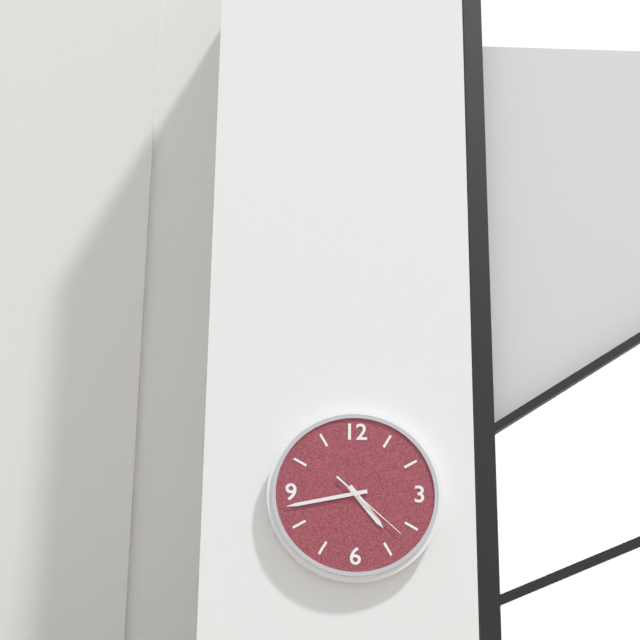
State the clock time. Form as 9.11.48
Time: 4.43.22
